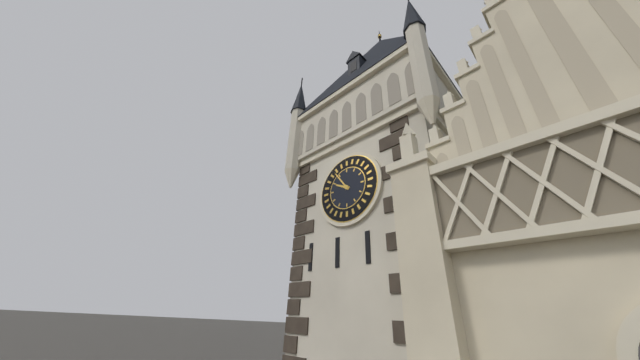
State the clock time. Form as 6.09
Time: 9.54
